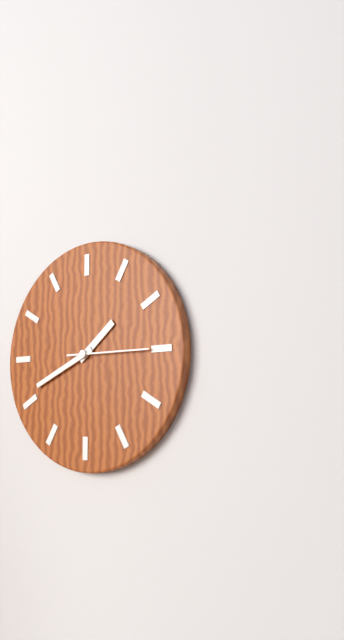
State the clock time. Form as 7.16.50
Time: 1.41.15
